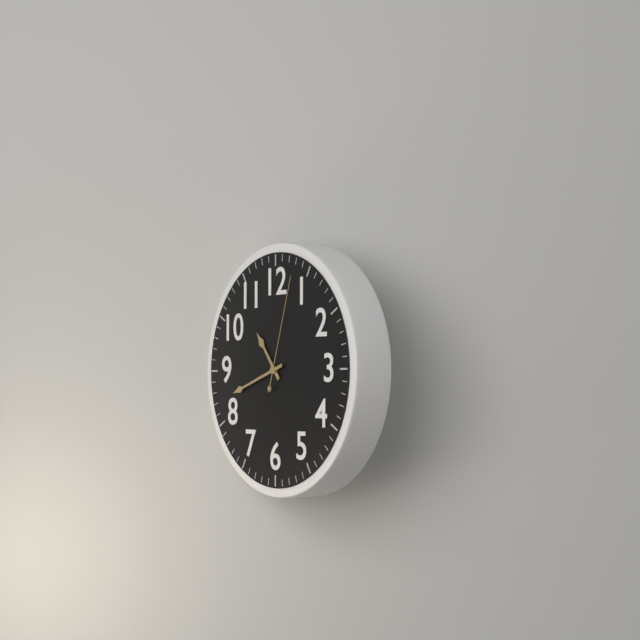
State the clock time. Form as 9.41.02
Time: 10.42.03
